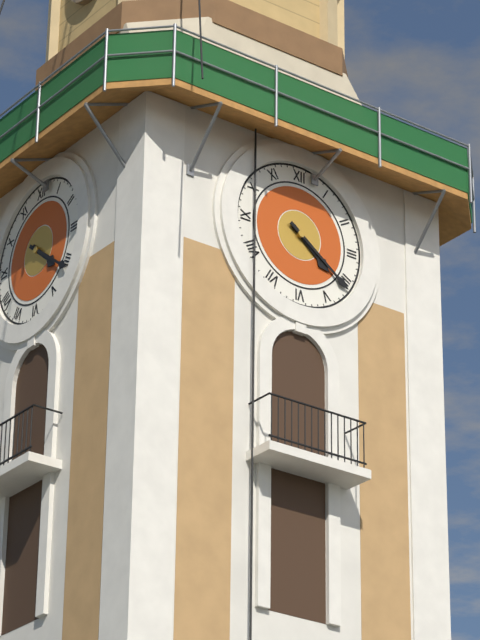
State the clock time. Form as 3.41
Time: 4.21
